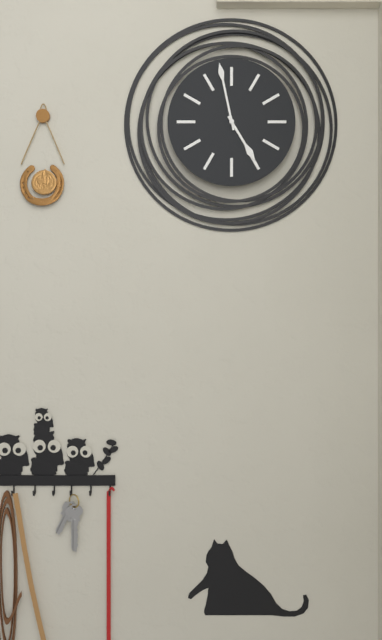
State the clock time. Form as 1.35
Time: 4.58
